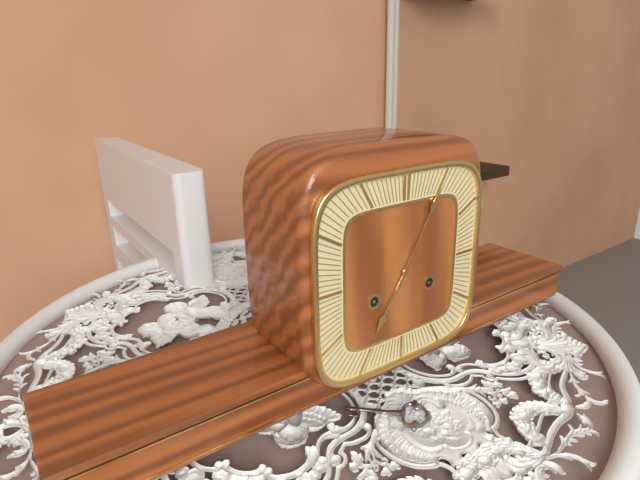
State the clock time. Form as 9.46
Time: 7.05
